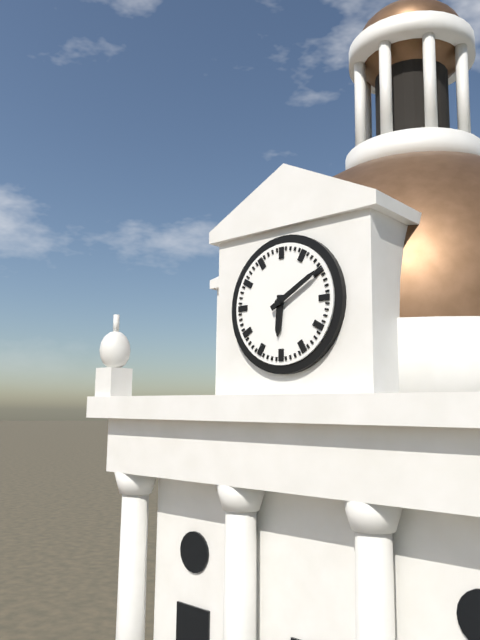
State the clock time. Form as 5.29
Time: 6.10
